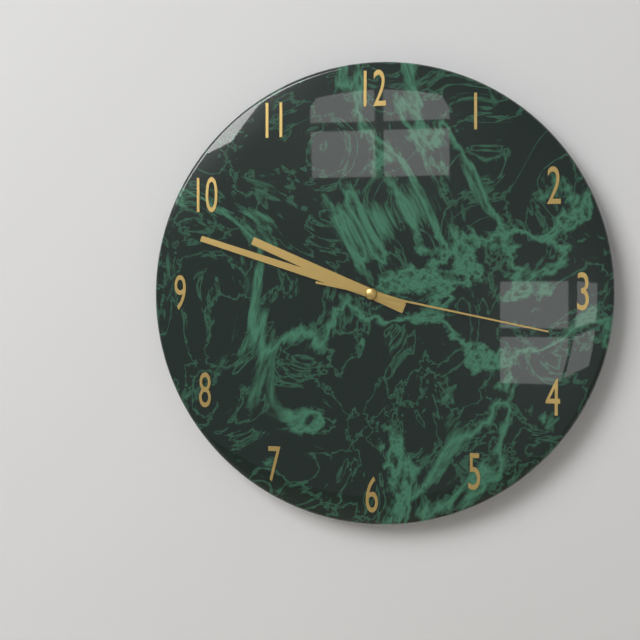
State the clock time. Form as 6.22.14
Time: 9.48.17
